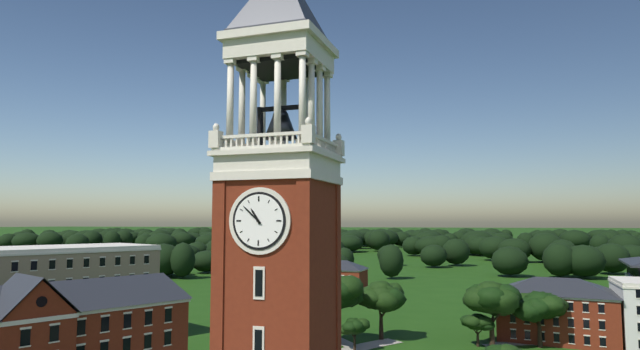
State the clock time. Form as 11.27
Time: 10.52
